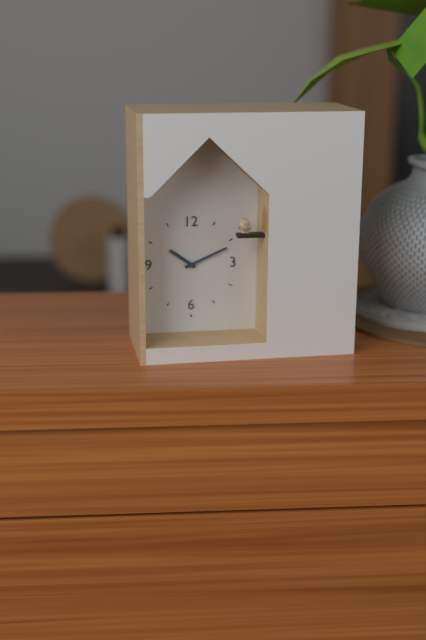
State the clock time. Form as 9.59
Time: 10.11
